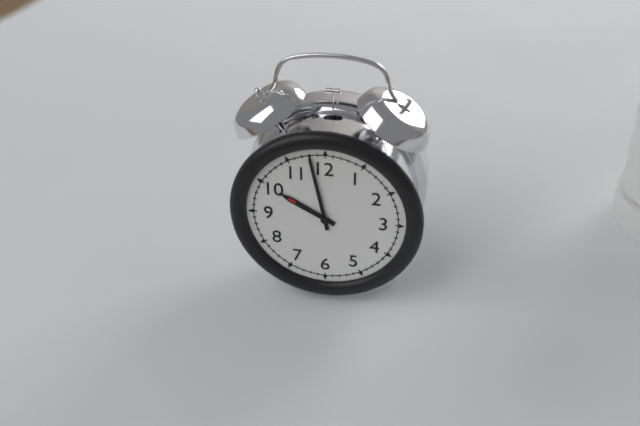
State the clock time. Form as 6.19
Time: 9.58
